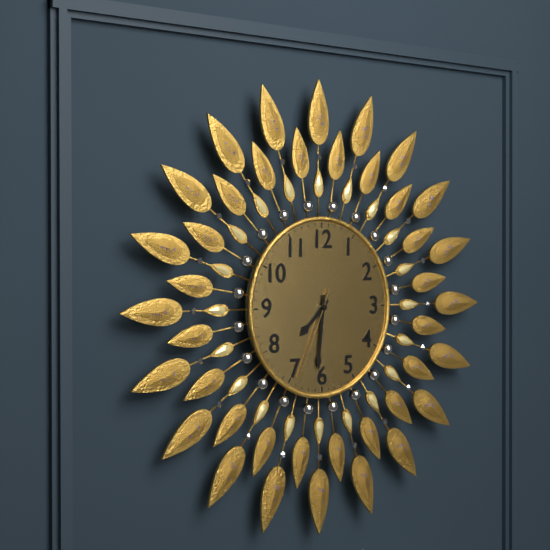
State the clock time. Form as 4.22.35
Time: 7.31.34
